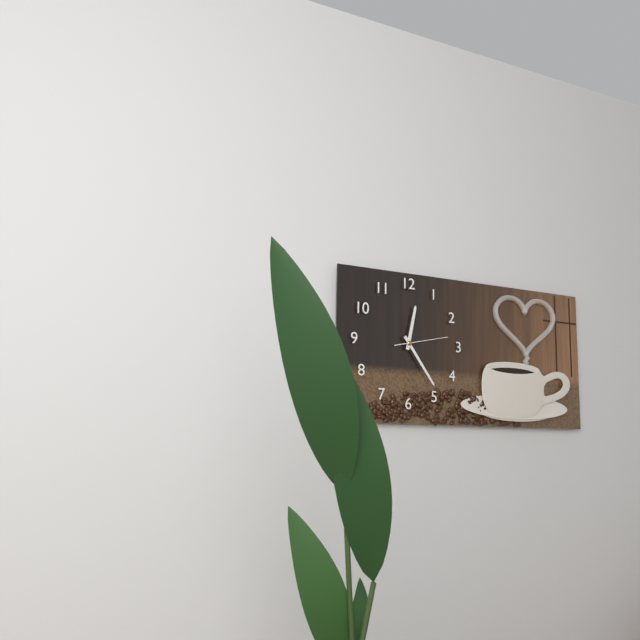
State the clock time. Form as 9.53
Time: 12.24
